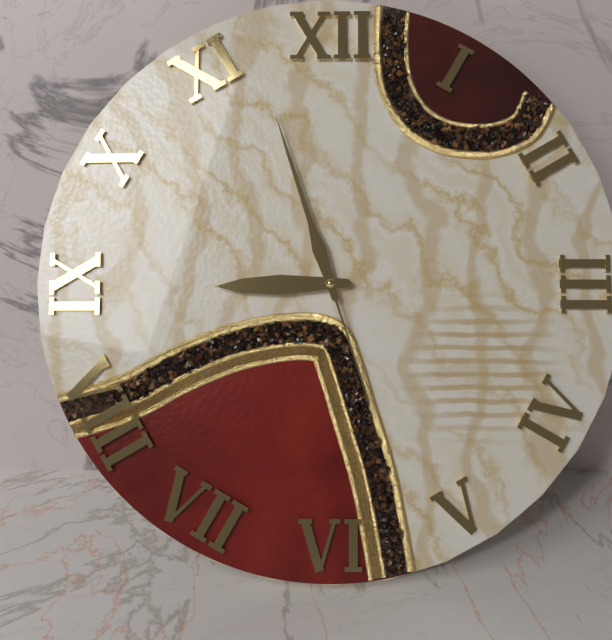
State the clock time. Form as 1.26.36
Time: 8.57.27
